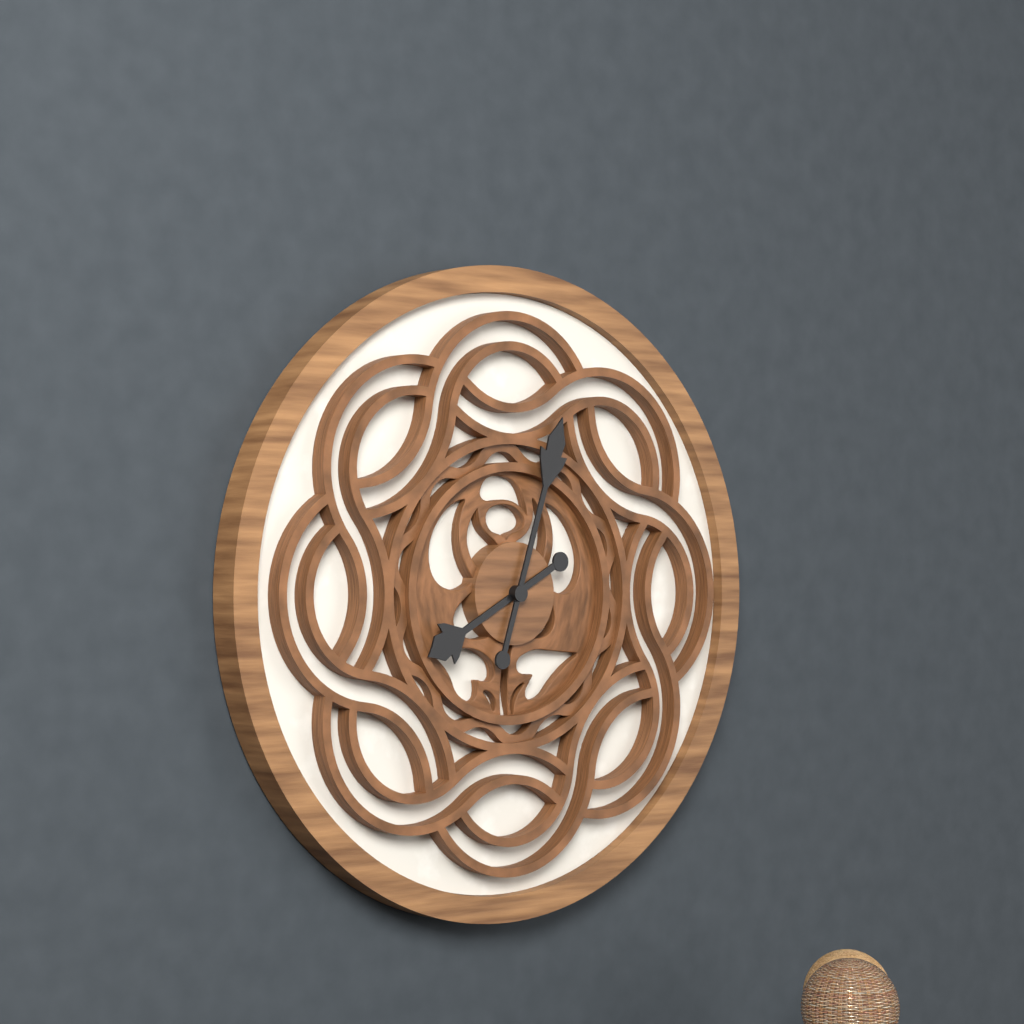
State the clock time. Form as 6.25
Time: 8.03
